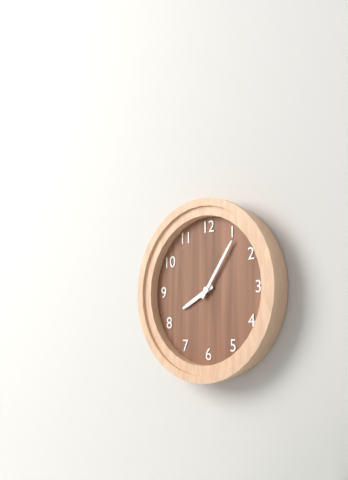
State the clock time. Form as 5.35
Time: 8.06
